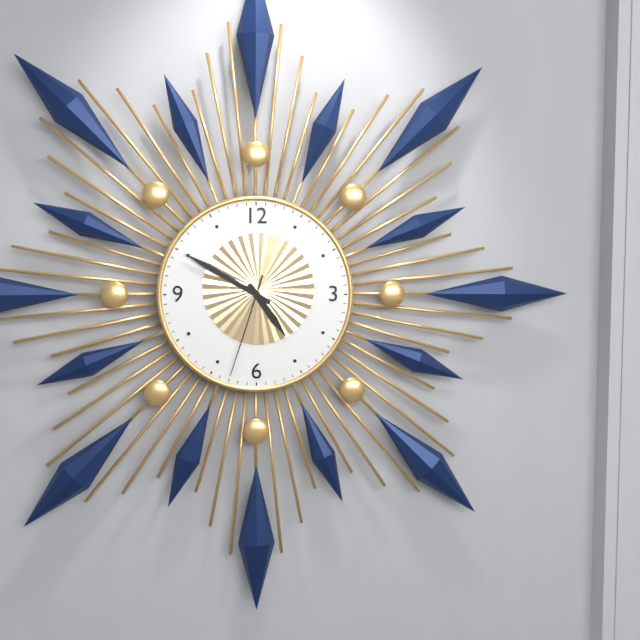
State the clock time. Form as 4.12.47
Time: 4.50.33
